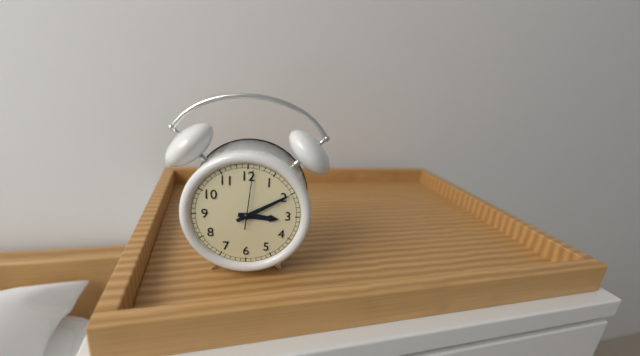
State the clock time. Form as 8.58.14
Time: 3.10.01
